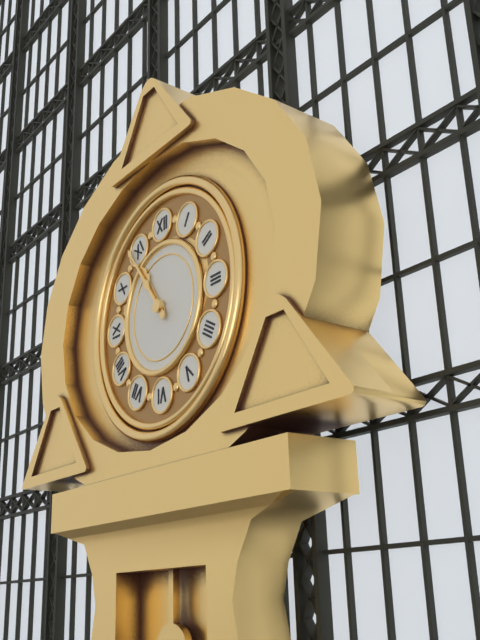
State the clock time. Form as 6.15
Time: 10.54
